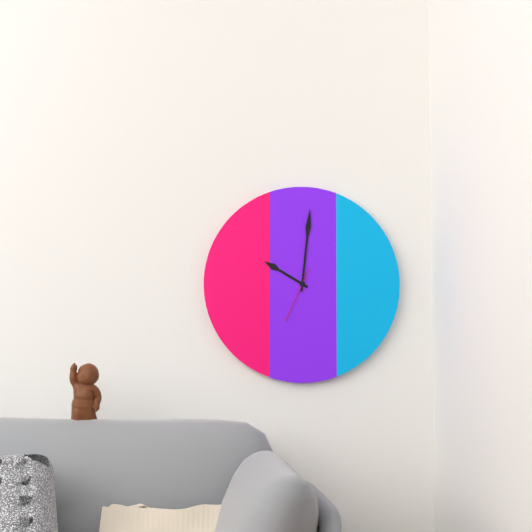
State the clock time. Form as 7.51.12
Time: 10.01.34
